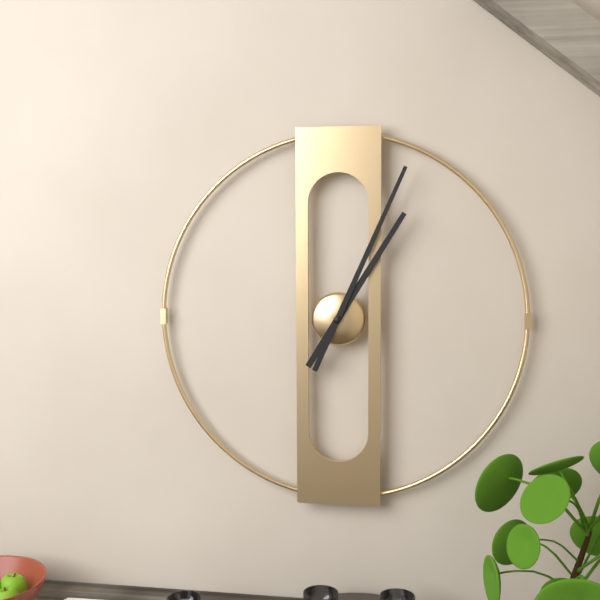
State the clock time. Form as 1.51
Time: 1.04
